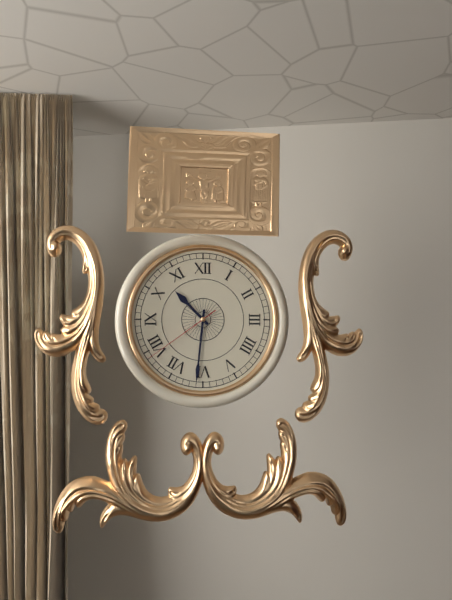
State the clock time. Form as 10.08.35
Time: 10.31.39
